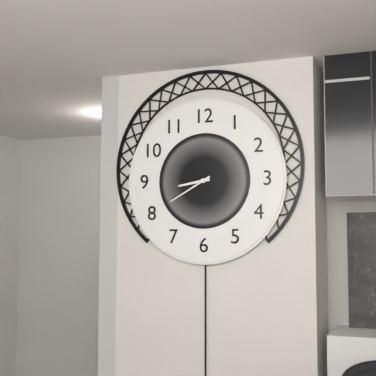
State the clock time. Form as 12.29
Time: 8.40
